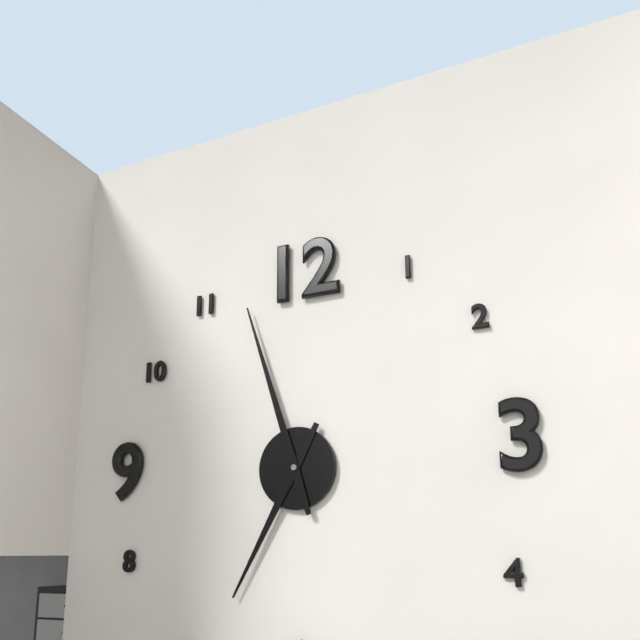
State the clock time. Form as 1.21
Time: 6.57
